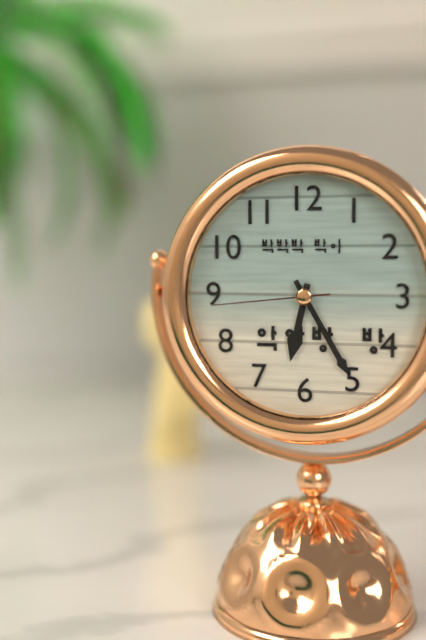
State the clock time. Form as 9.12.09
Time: 6.25.44
